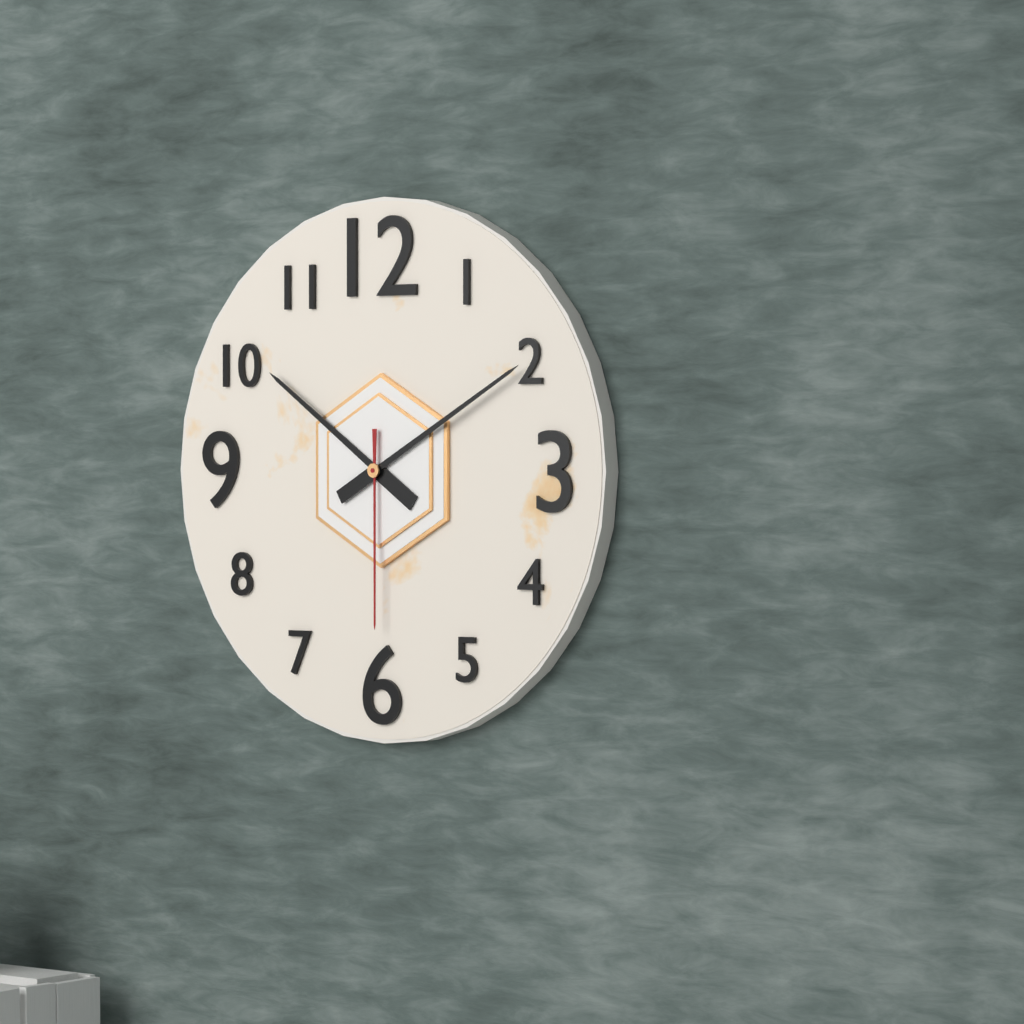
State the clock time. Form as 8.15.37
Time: 10.10.30
